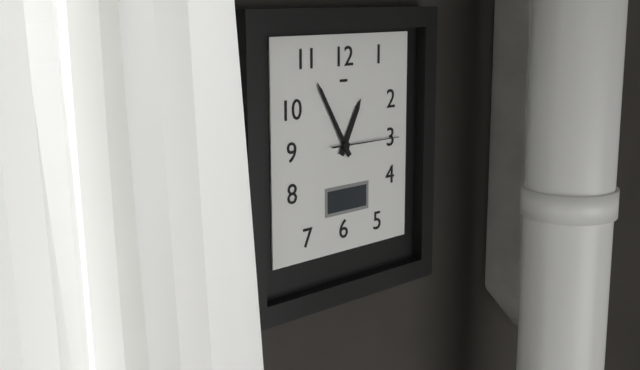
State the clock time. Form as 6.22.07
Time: 12.55.15
